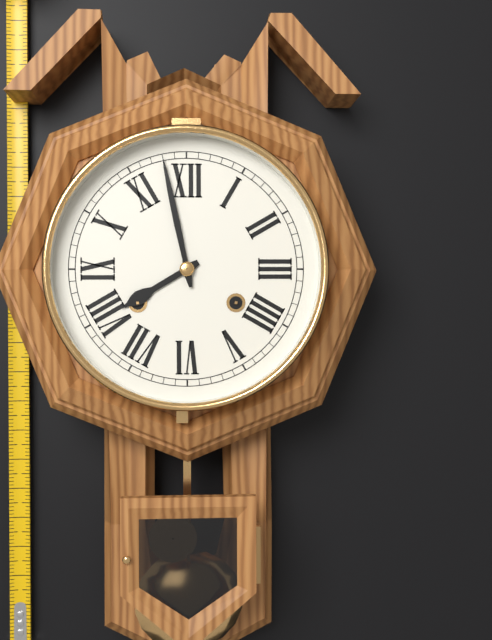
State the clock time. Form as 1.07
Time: 7.58
